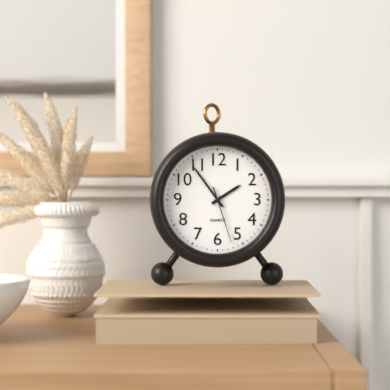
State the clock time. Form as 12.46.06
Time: 1.54.27
